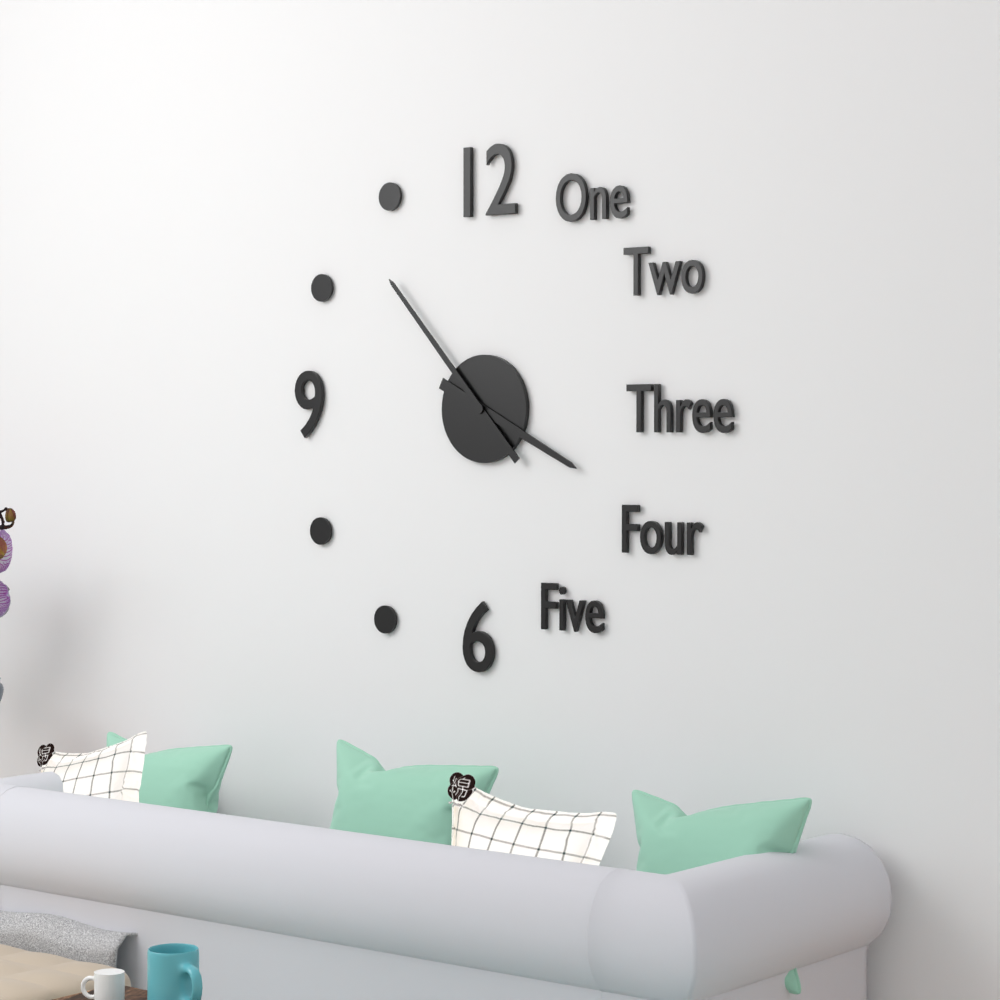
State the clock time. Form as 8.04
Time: 3.53
